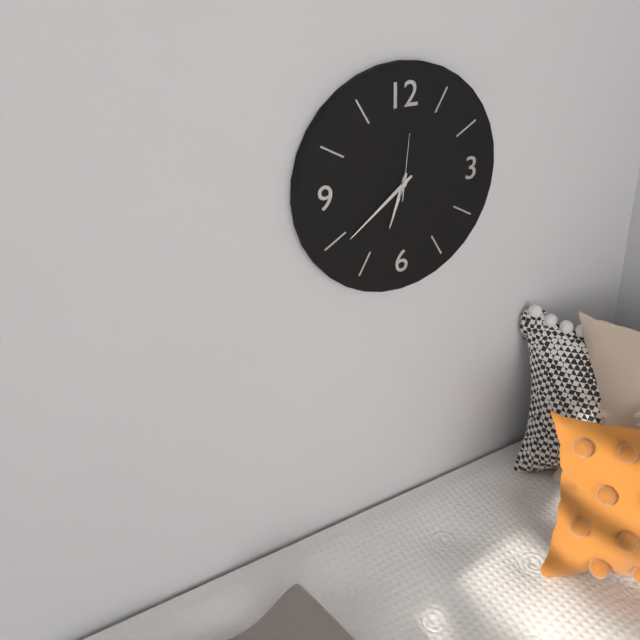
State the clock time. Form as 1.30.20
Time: 6.39.01
